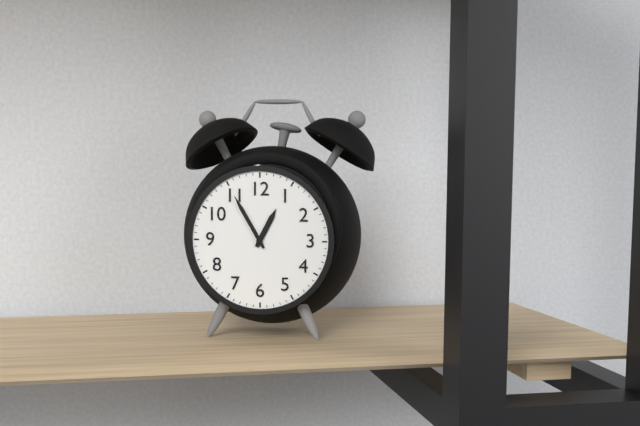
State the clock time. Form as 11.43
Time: 12.55
